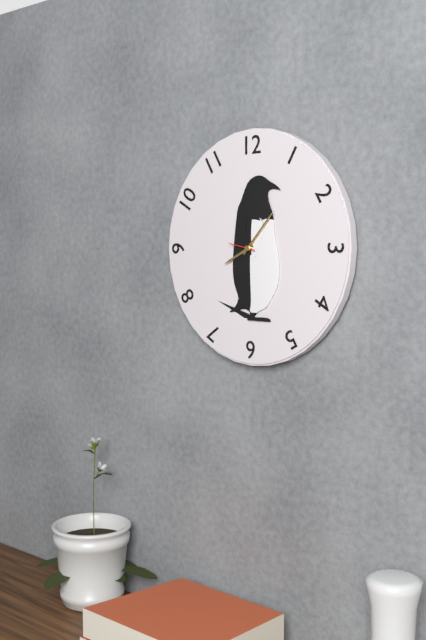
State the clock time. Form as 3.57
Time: 8.07
